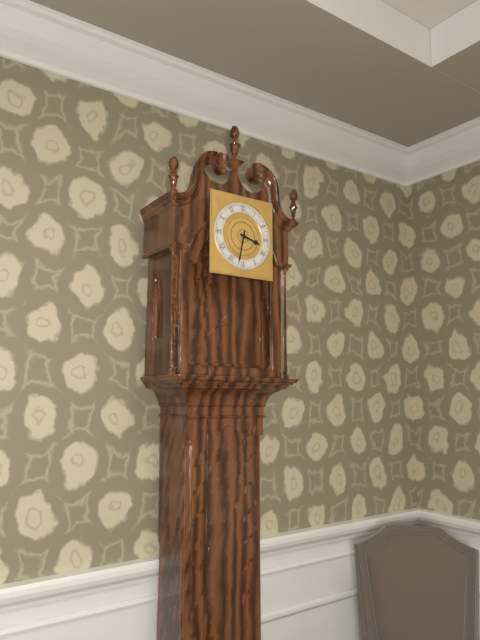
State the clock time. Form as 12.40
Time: 3.32
